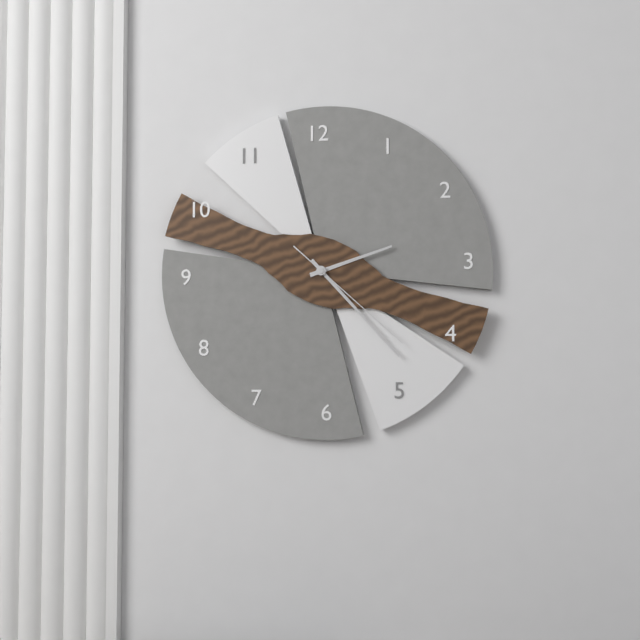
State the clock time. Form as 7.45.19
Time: 2.23.22
